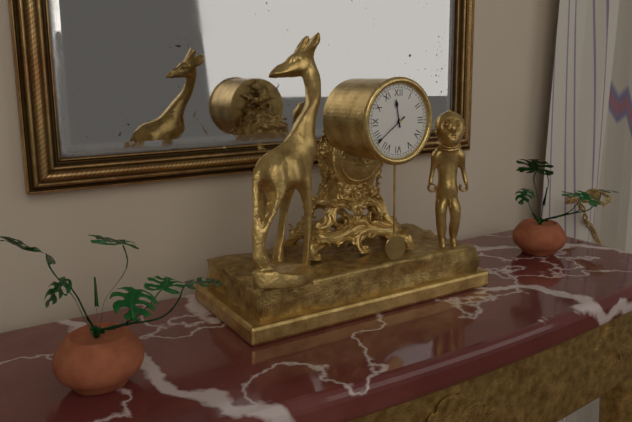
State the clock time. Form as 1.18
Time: 11.39
